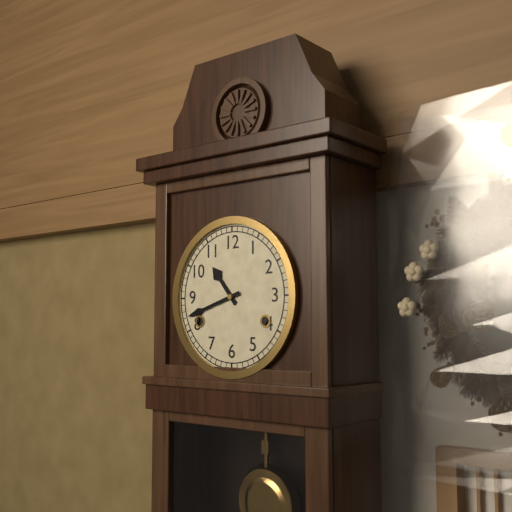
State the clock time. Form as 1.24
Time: 10.42
